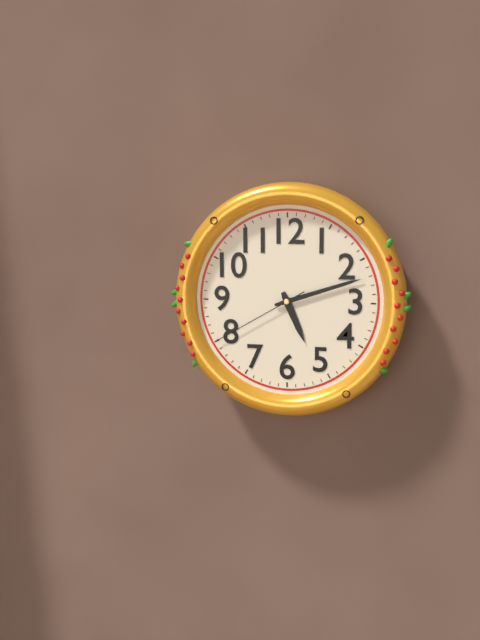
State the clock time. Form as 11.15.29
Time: 5.12.40
